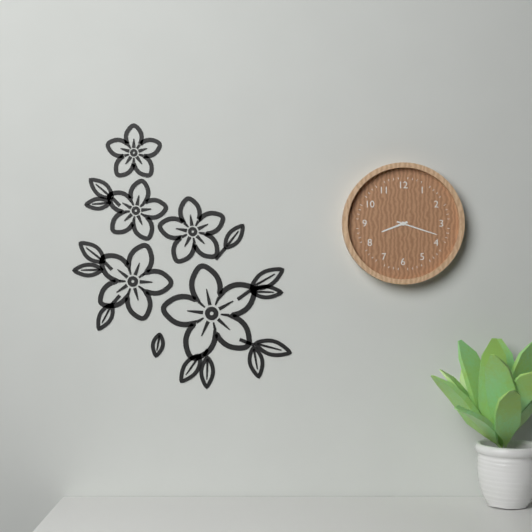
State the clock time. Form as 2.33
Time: 8.18
